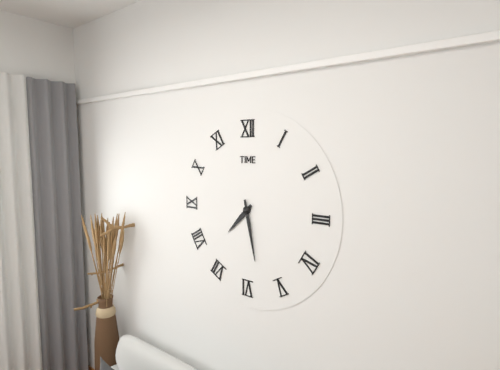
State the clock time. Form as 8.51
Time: 7.28
